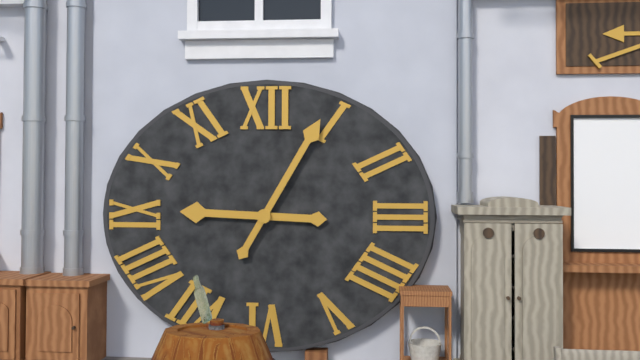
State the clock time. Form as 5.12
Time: 9.05
